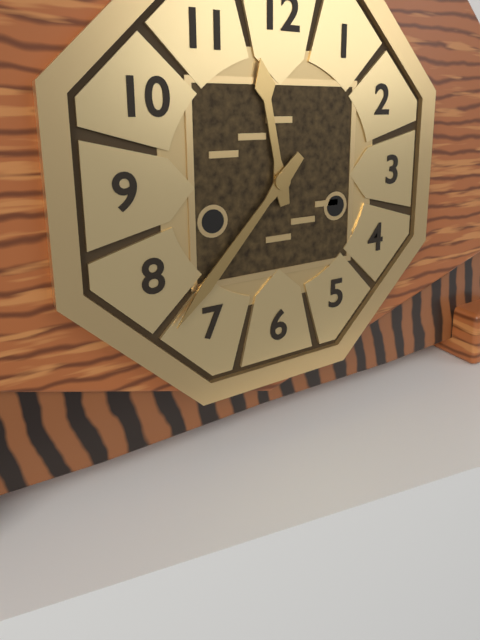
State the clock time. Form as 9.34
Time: 11.37
